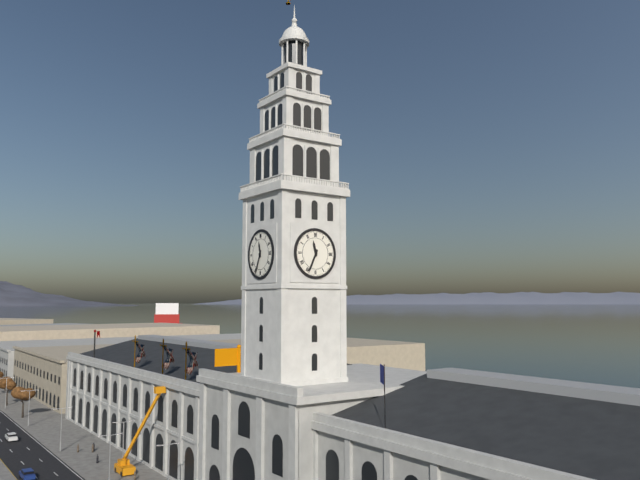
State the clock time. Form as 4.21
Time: 11.34
